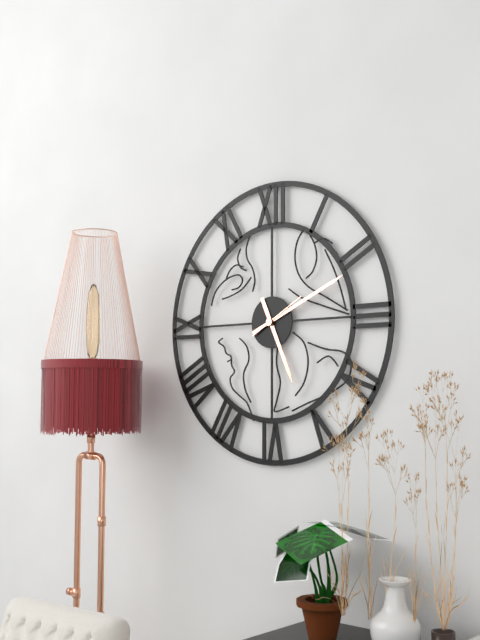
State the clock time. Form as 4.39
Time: 5.11
